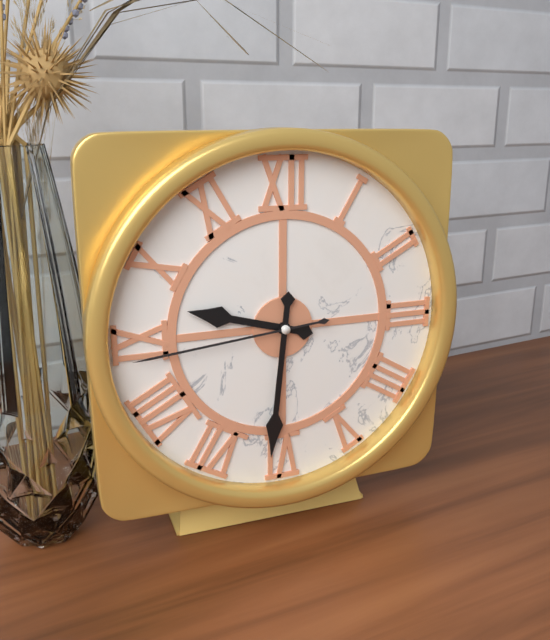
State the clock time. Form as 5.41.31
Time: 9.31.44
